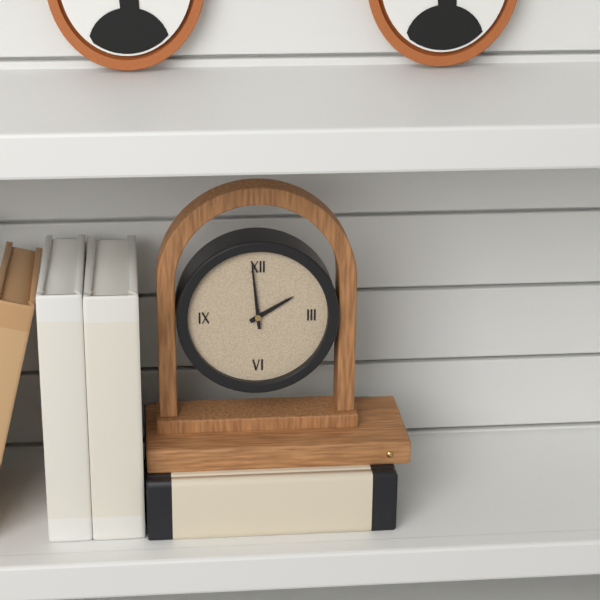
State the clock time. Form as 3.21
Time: 1.59
